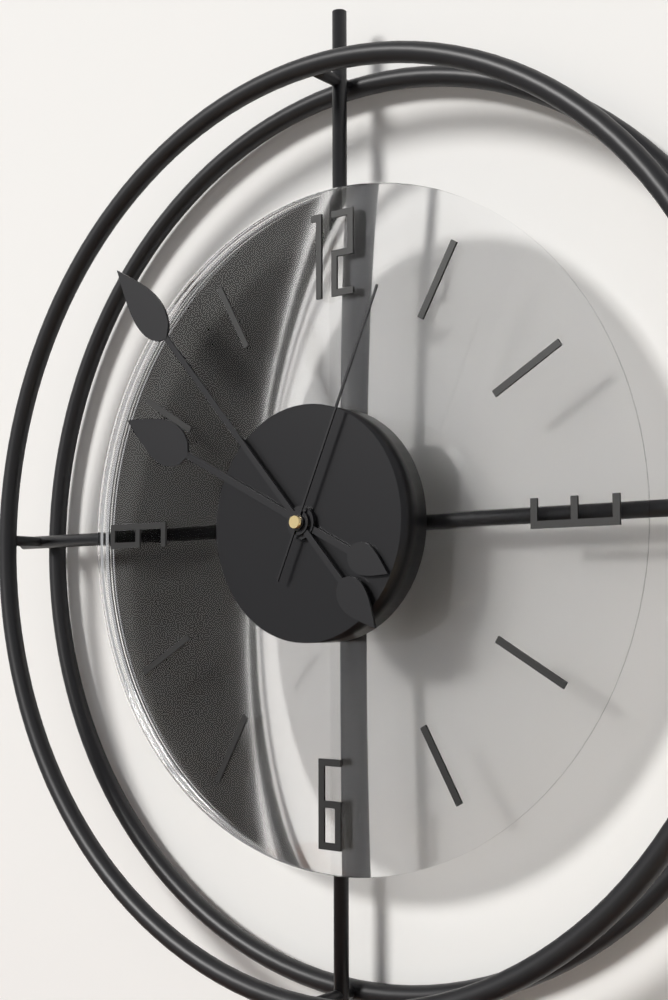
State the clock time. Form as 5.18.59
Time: 9.53.04
